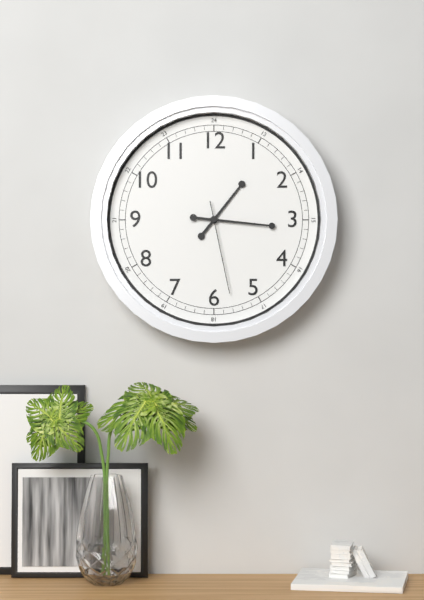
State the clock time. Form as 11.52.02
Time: 1.16.28
